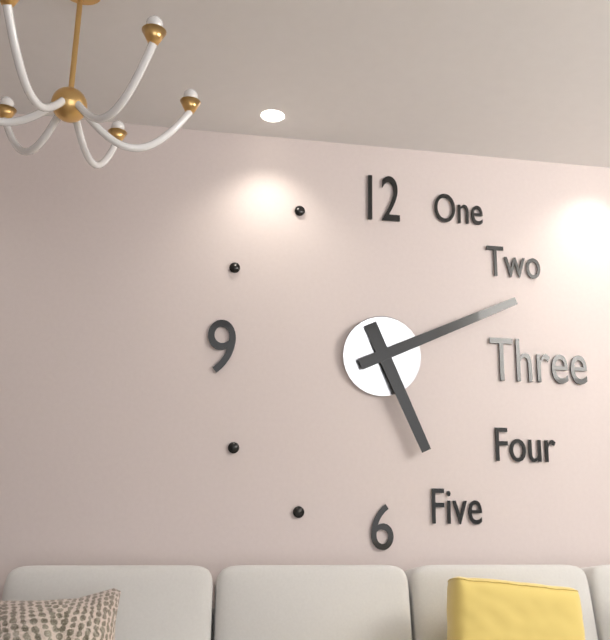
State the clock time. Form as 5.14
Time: 5.11
